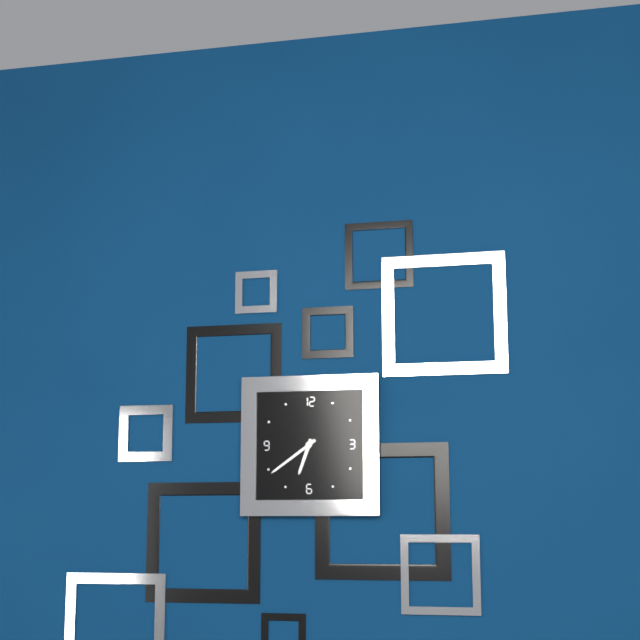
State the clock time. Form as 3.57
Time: 6.39
